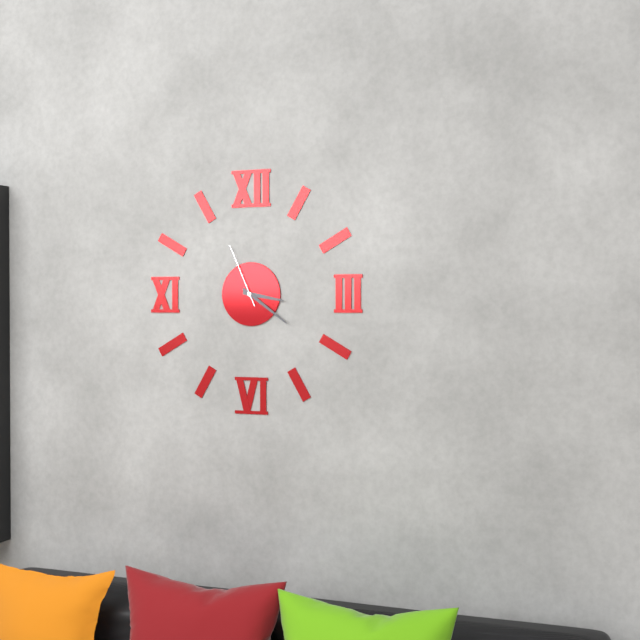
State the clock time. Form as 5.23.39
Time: 3.21.56
